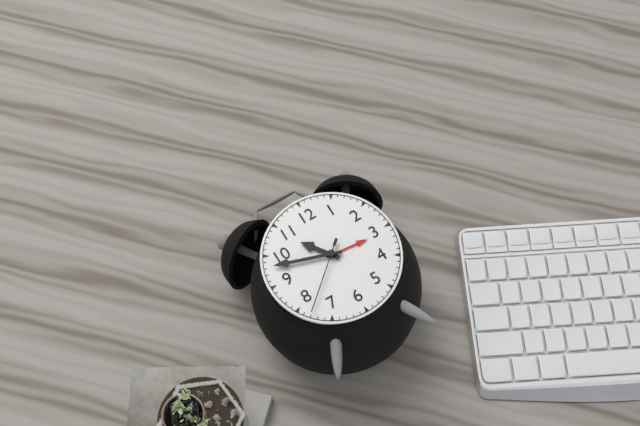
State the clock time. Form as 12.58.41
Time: 10.48.38
